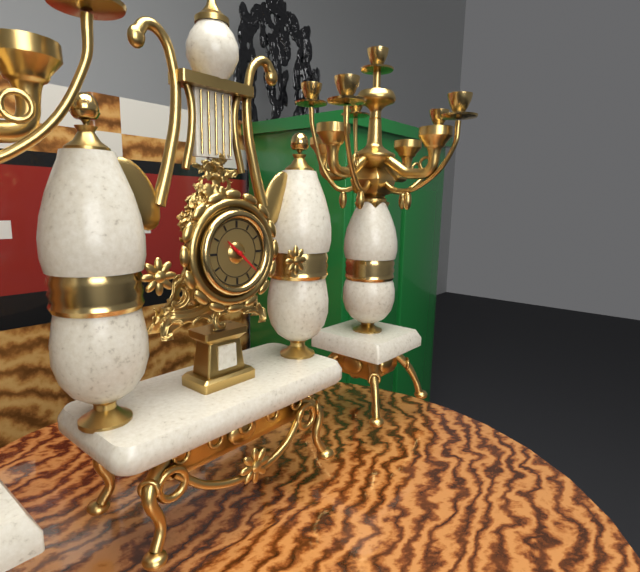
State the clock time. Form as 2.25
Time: 10.22
